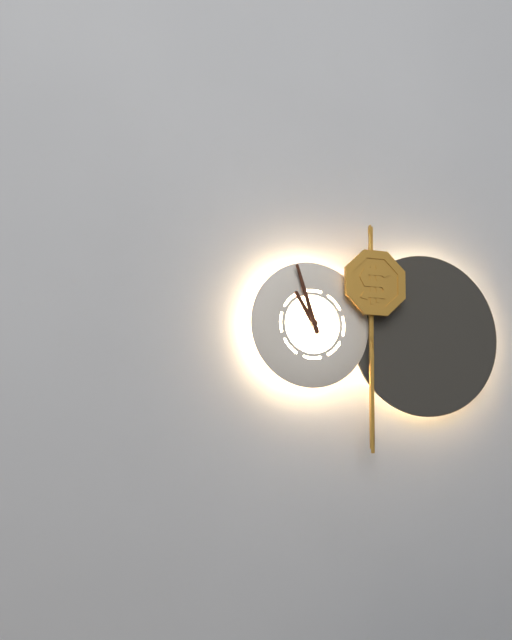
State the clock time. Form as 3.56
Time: 10.57
